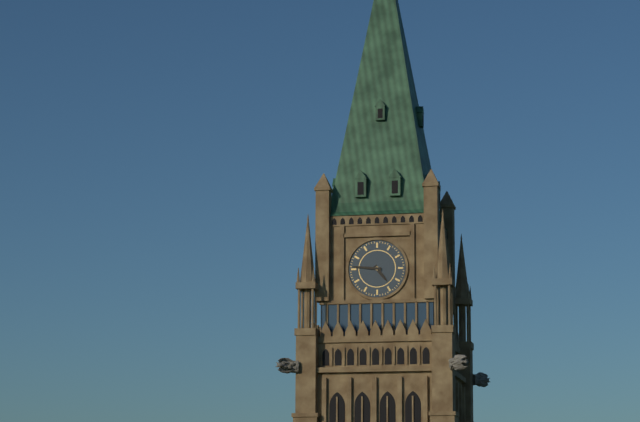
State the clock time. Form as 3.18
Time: 4.46
